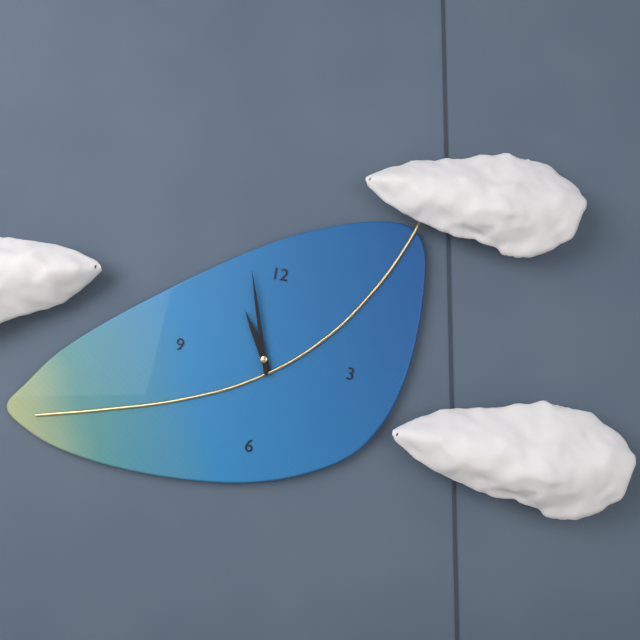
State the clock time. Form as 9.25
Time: 10.57
